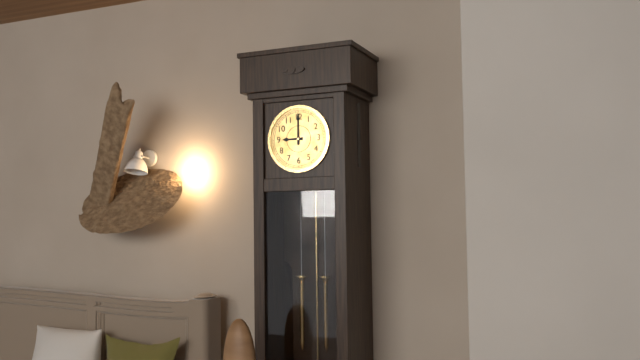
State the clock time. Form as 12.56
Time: 9.00
